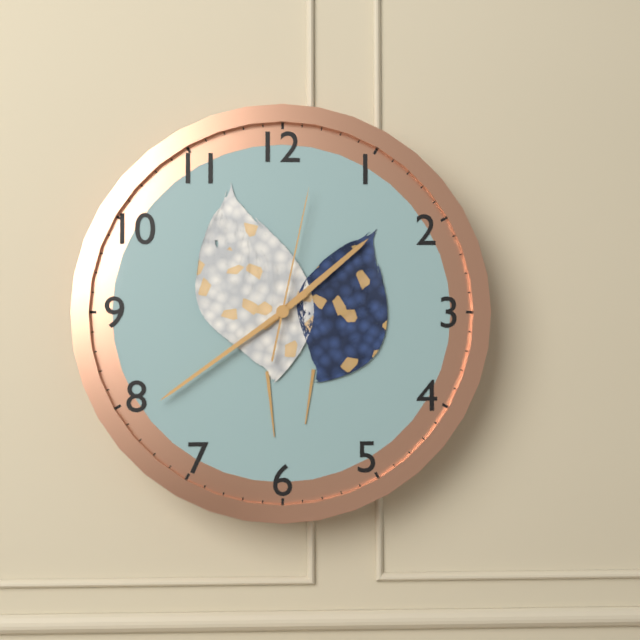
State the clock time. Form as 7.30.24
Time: 1.39.02
